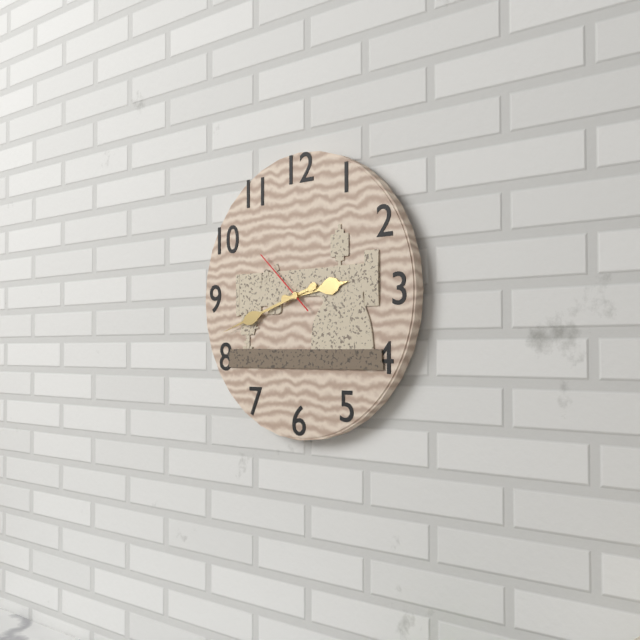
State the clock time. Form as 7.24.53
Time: 2.42.52
